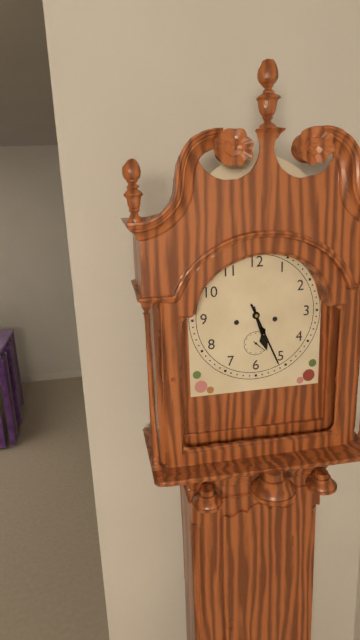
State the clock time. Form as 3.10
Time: 5.26
